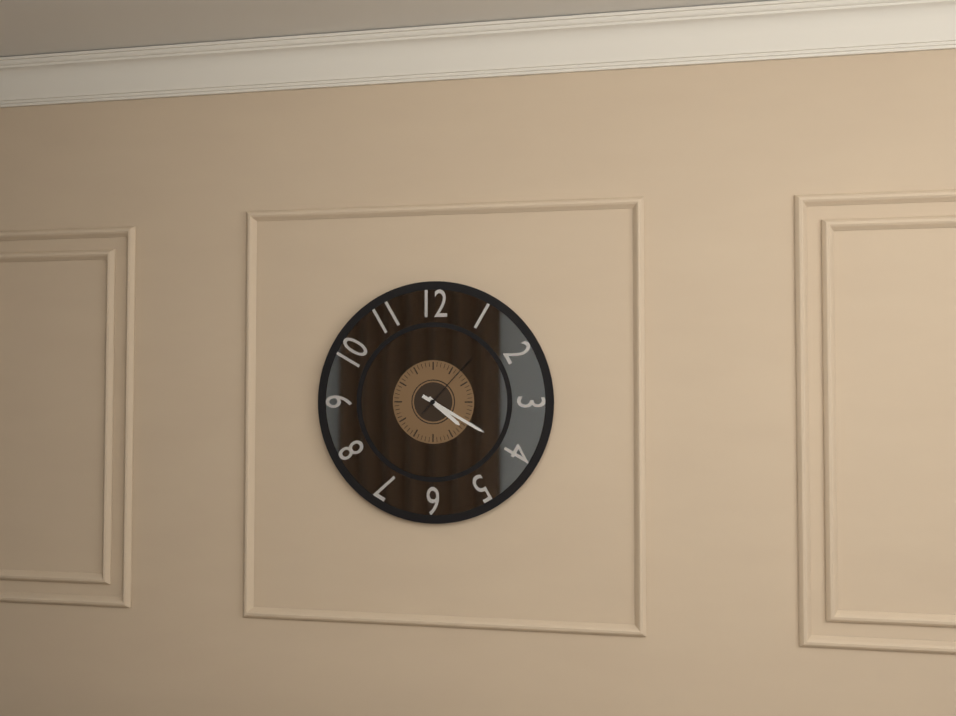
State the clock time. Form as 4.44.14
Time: 4.20.07
